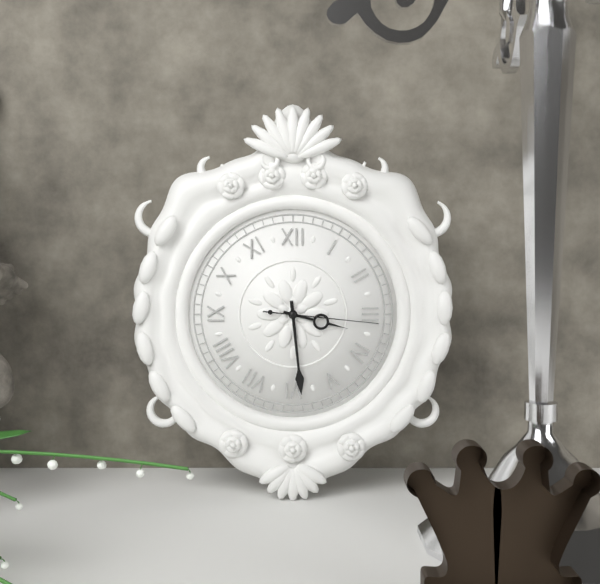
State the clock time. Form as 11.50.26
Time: 3.29.16
